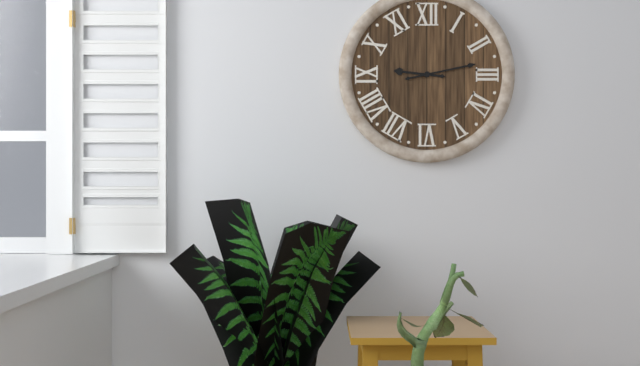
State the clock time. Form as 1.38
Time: 9.13
